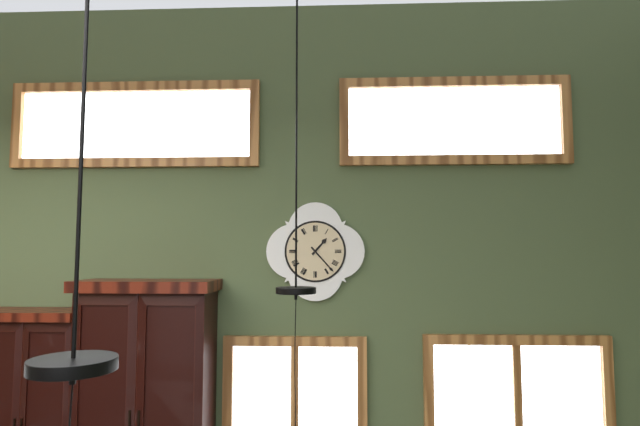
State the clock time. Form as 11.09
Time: 1.23
